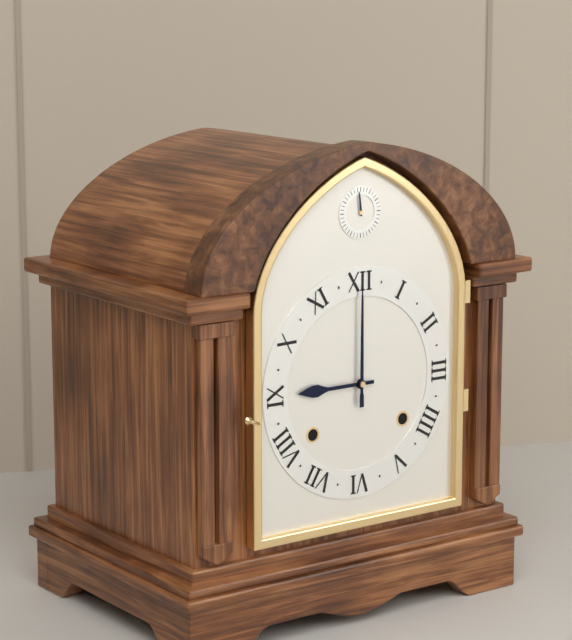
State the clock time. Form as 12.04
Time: 9.00
